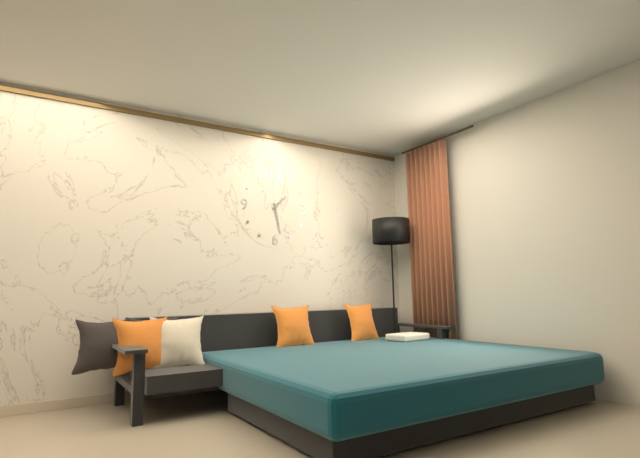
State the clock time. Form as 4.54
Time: 1.28
